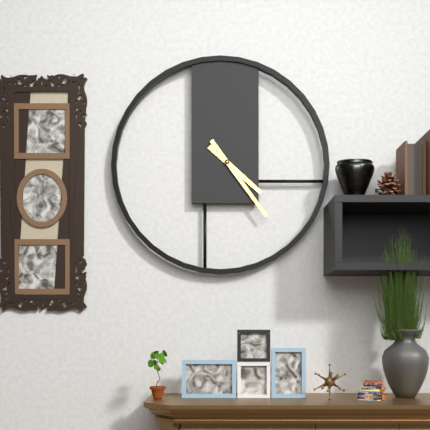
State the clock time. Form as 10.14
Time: 4.24
